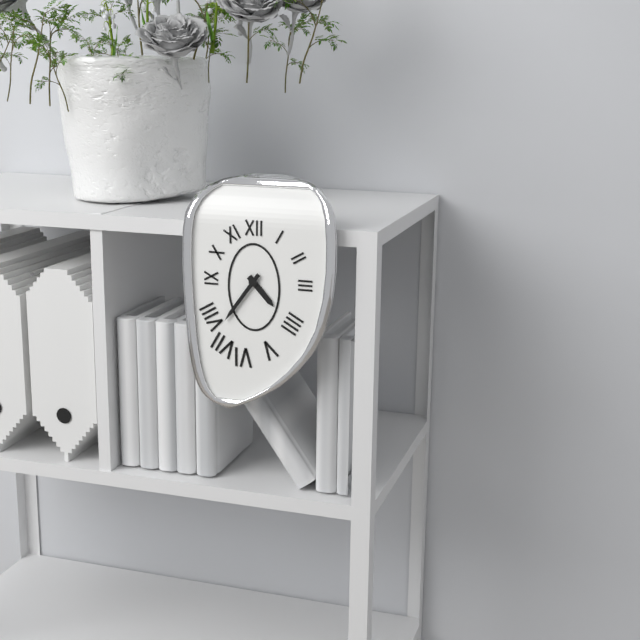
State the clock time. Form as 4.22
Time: 4.36
